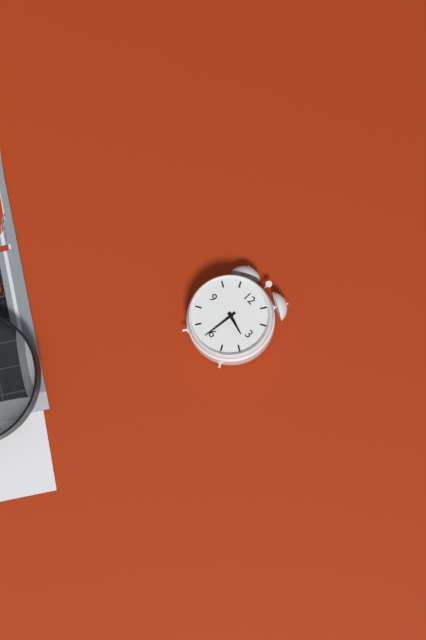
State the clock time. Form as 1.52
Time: 3.31
